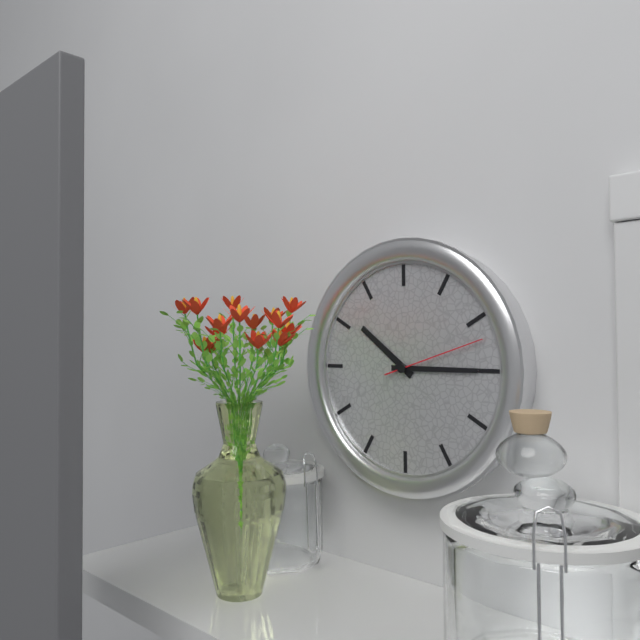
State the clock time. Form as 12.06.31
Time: 10.15.12
